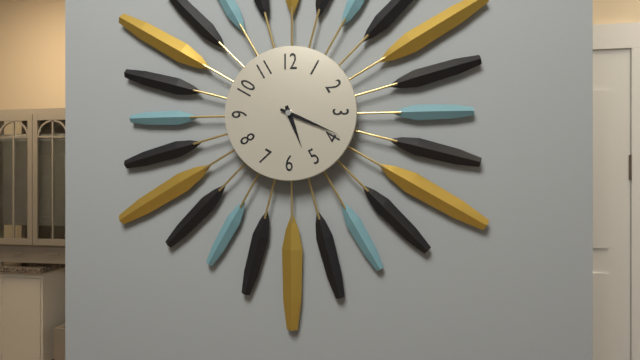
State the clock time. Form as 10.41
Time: 5.19
